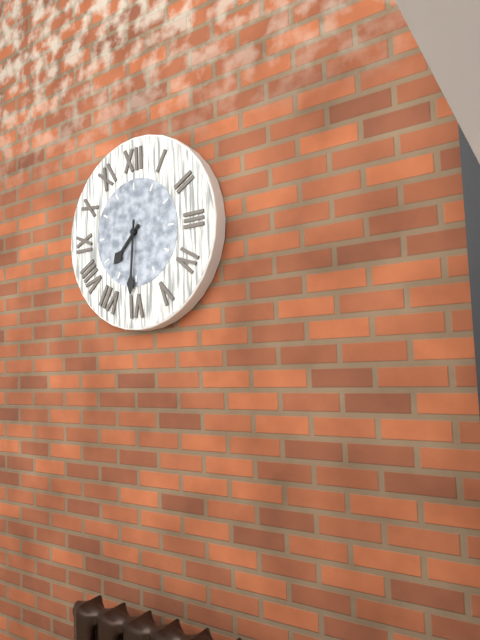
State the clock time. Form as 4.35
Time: 7.31
